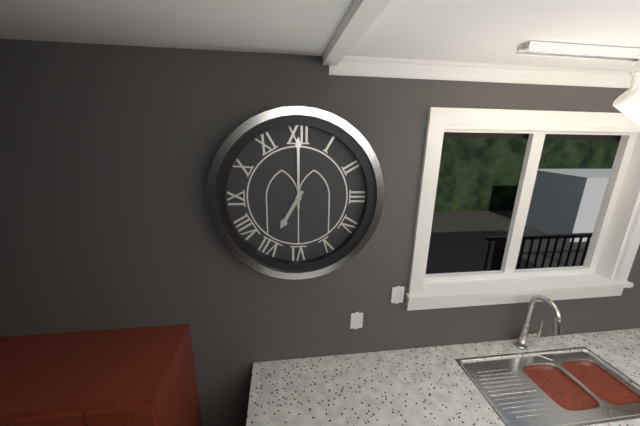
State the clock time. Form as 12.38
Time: 7.00
